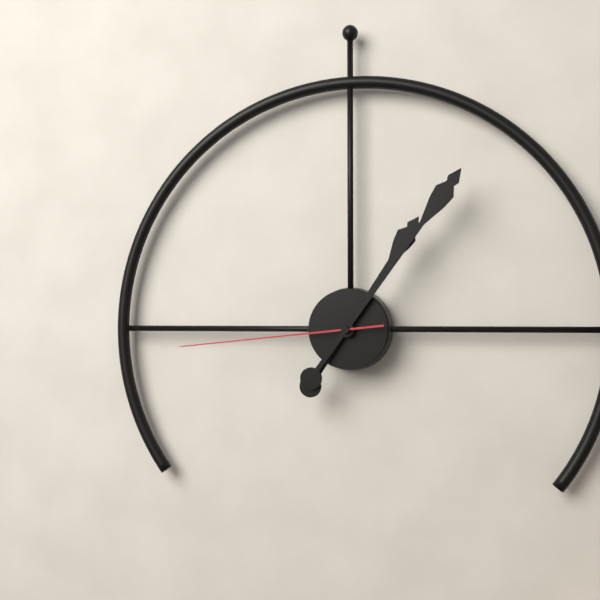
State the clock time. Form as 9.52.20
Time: 1.06.44
